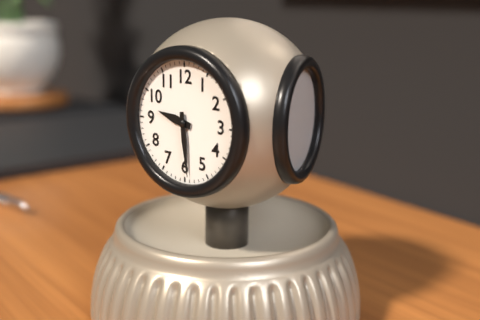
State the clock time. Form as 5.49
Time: 9.29
